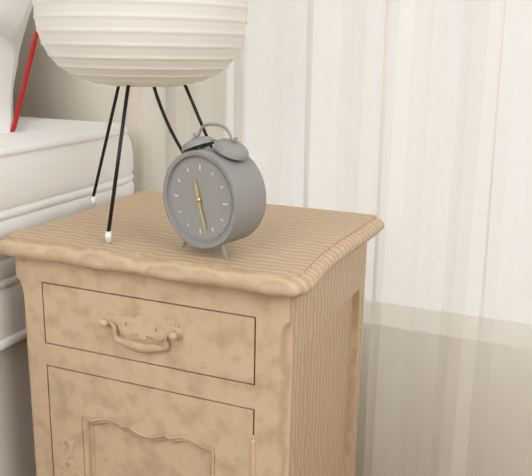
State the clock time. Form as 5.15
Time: 11.27
